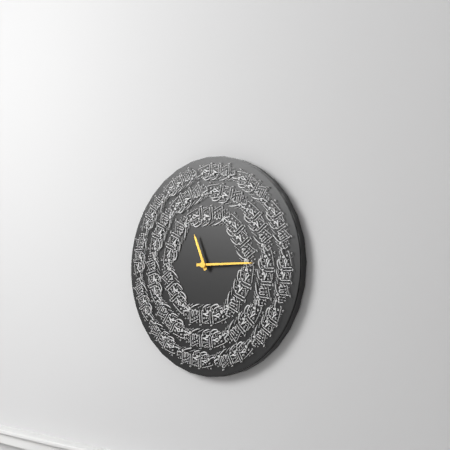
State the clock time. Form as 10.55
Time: 11.15
